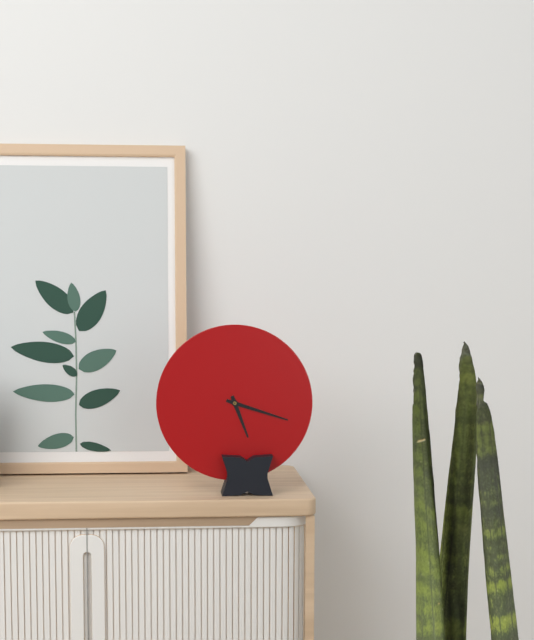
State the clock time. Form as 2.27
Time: 5.18
